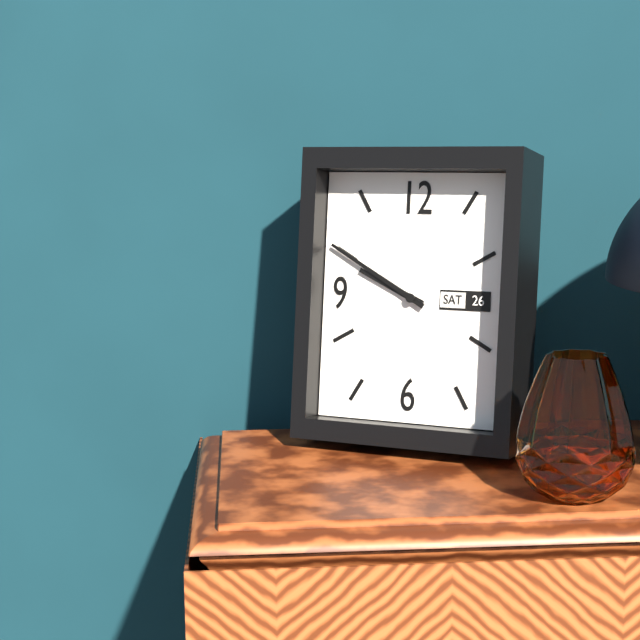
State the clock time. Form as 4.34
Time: 9.50
